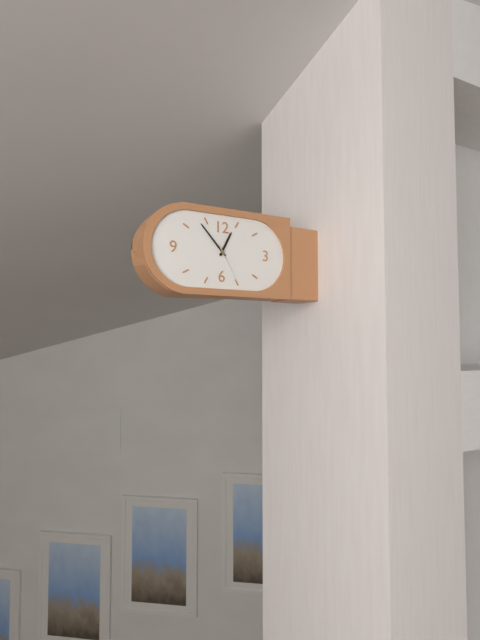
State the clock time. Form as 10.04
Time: 12.53
